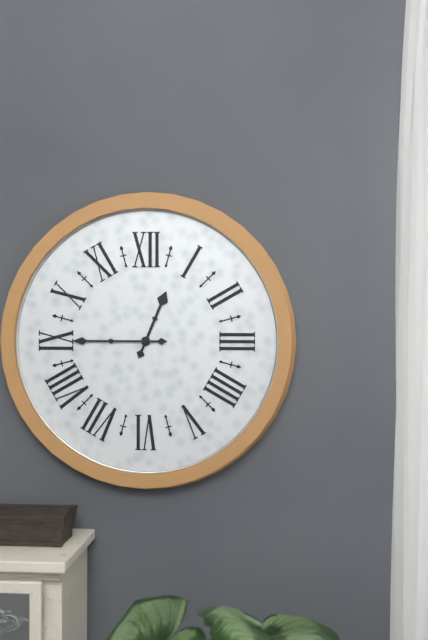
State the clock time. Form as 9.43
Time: 12.45
